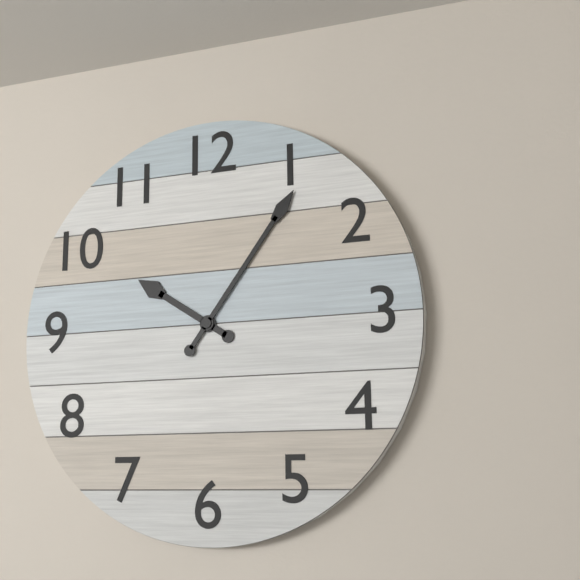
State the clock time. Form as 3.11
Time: 10.06
